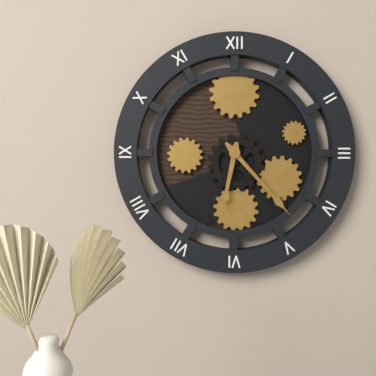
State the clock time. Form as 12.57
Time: 6.23
